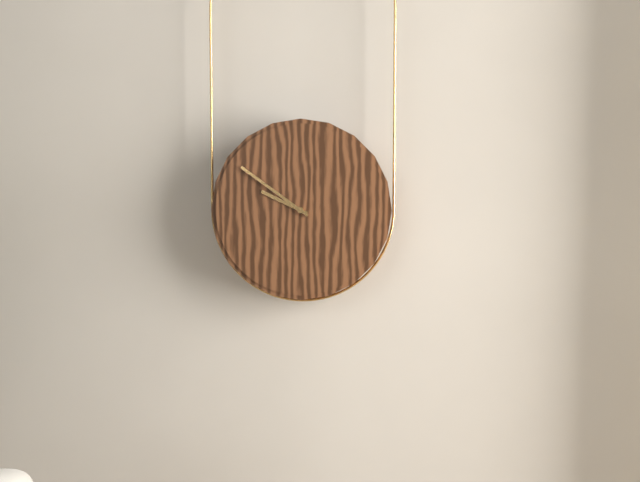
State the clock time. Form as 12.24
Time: 9.51
